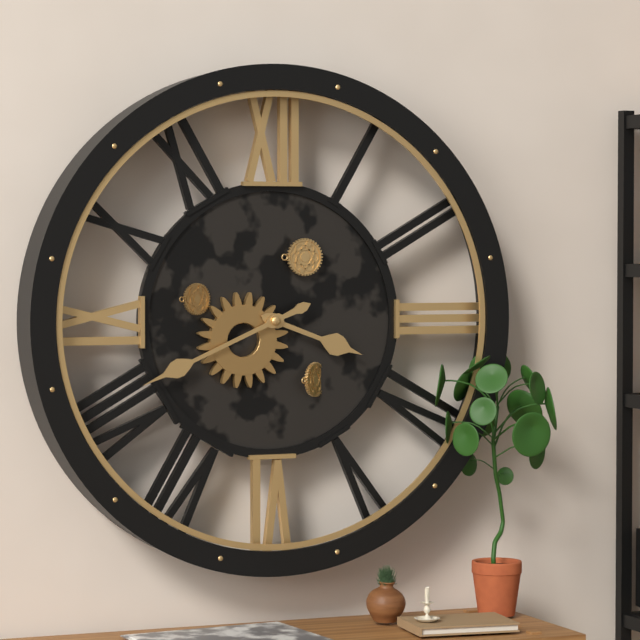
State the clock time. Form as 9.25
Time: 3.41
